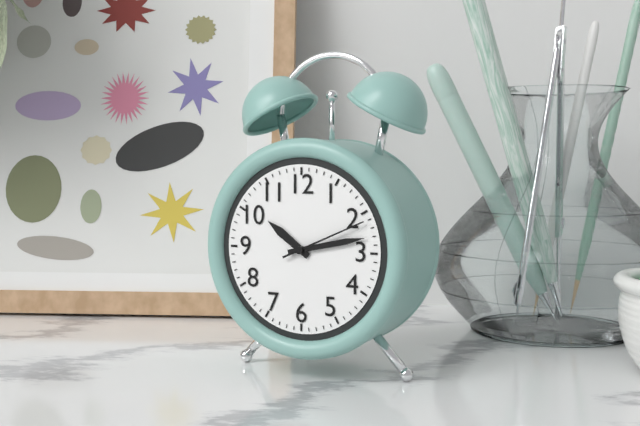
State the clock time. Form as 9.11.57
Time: 10.13.11
